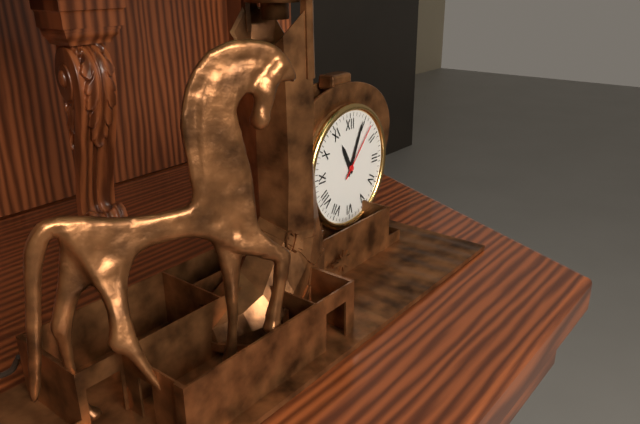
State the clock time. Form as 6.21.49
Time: 11.04.07
